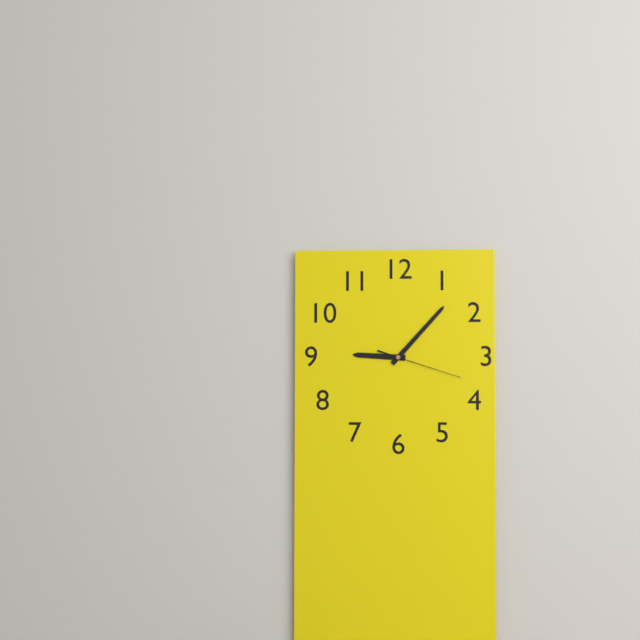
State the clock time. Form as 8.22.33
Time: 9.07.18
